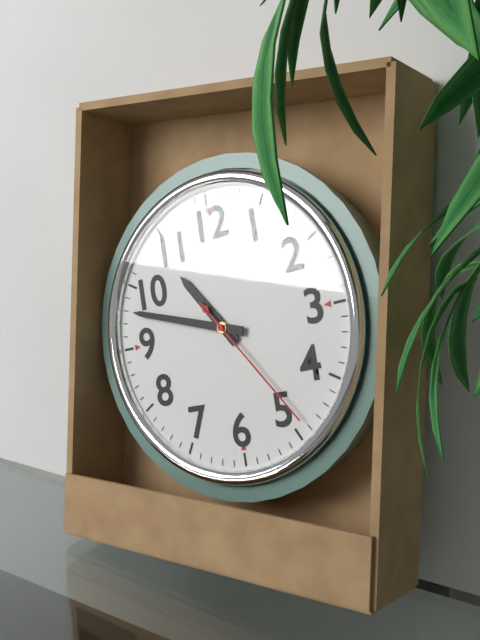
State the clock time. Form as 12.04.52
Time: 10.48.24
